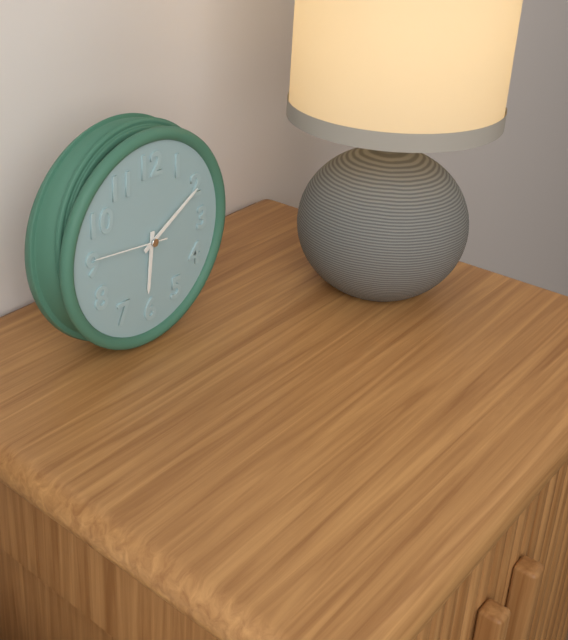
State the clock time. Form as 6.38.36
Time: 6.10.46
